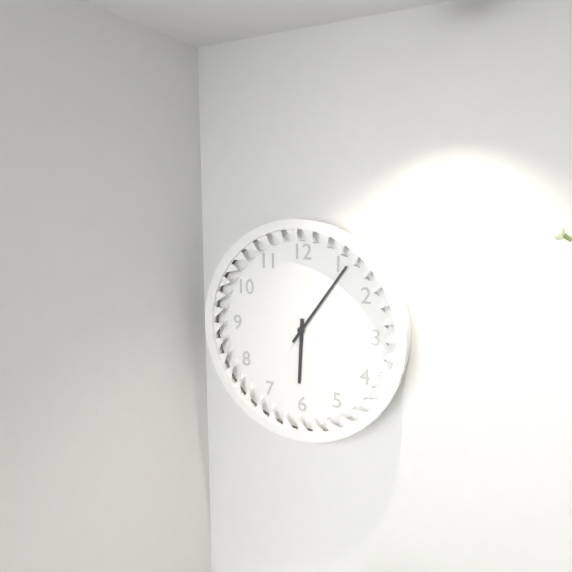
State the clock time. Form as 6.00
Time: 6.06
